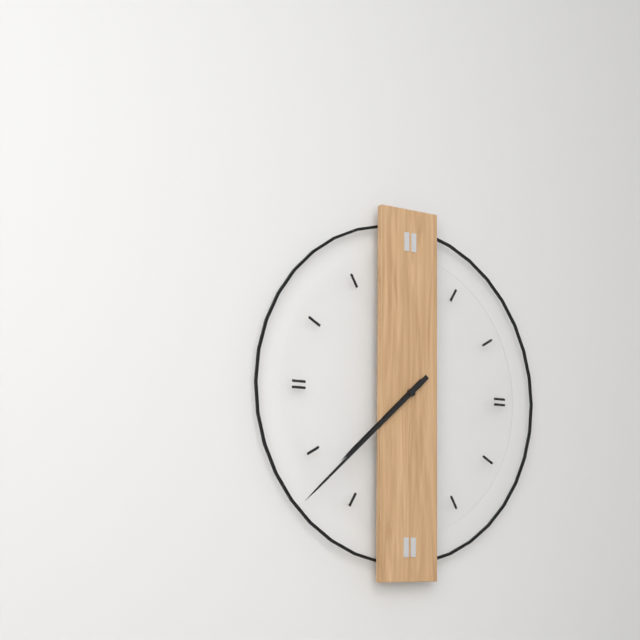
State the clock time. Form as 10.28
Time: 7.38
